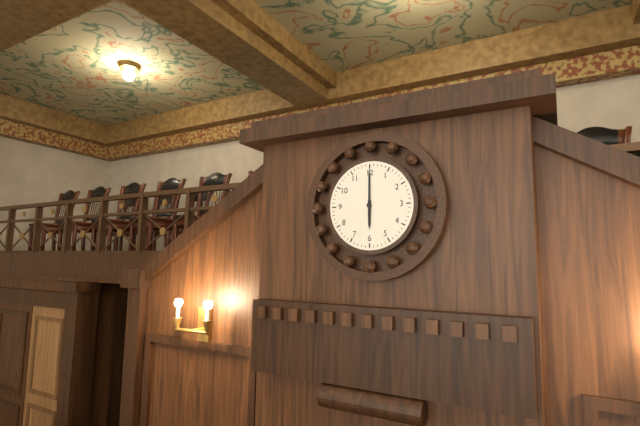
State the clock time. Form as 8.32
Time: 6.00
